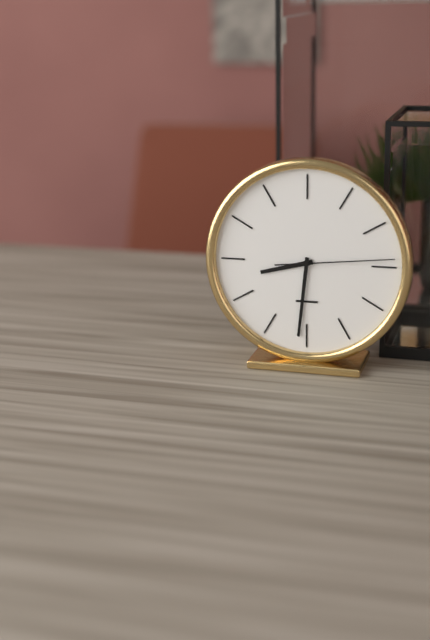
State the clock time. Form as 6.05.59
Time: 8.31.14
